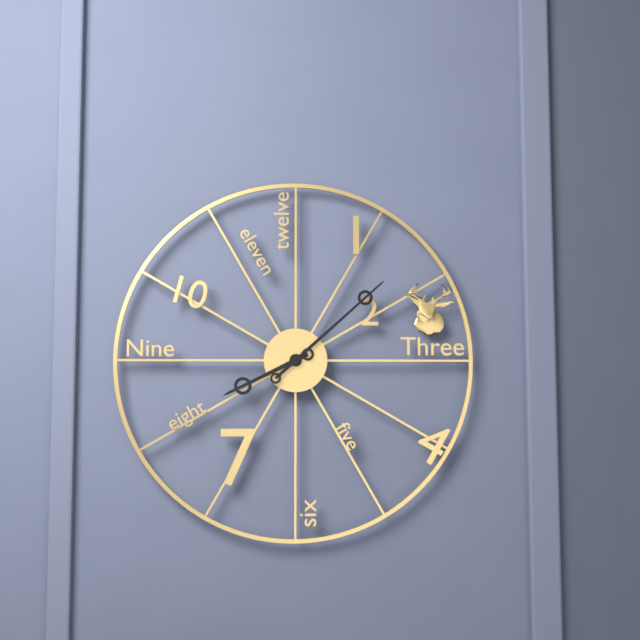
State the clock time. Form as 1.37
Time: 8.08
